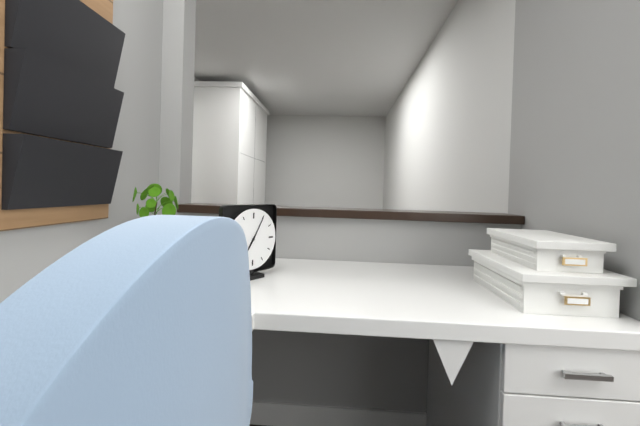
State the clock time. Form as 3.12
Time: 7.05
